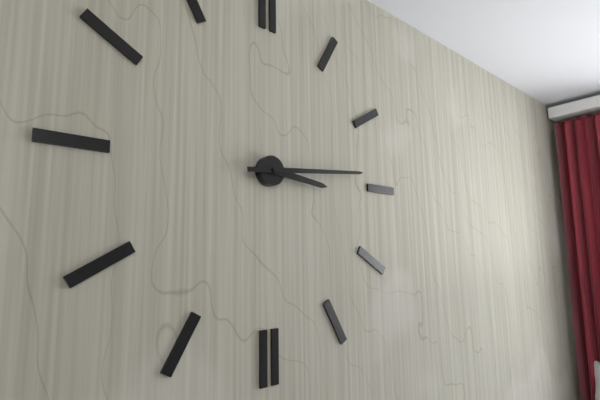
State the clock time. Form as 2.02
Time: 3.14
